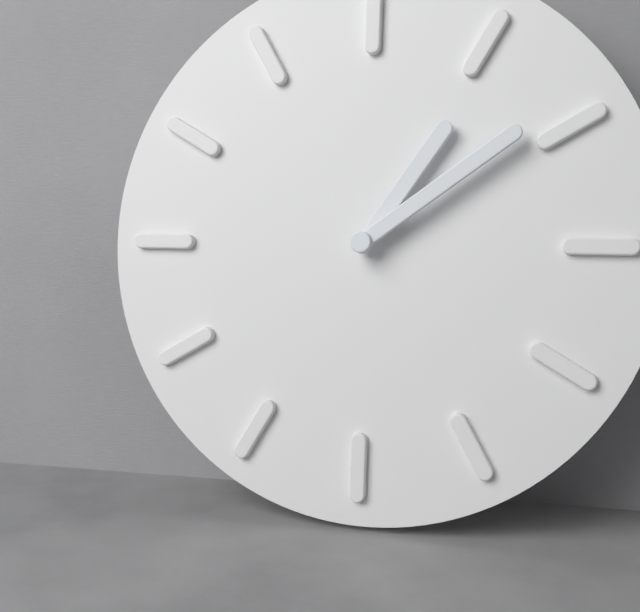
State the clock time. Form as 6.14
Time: 1.09
